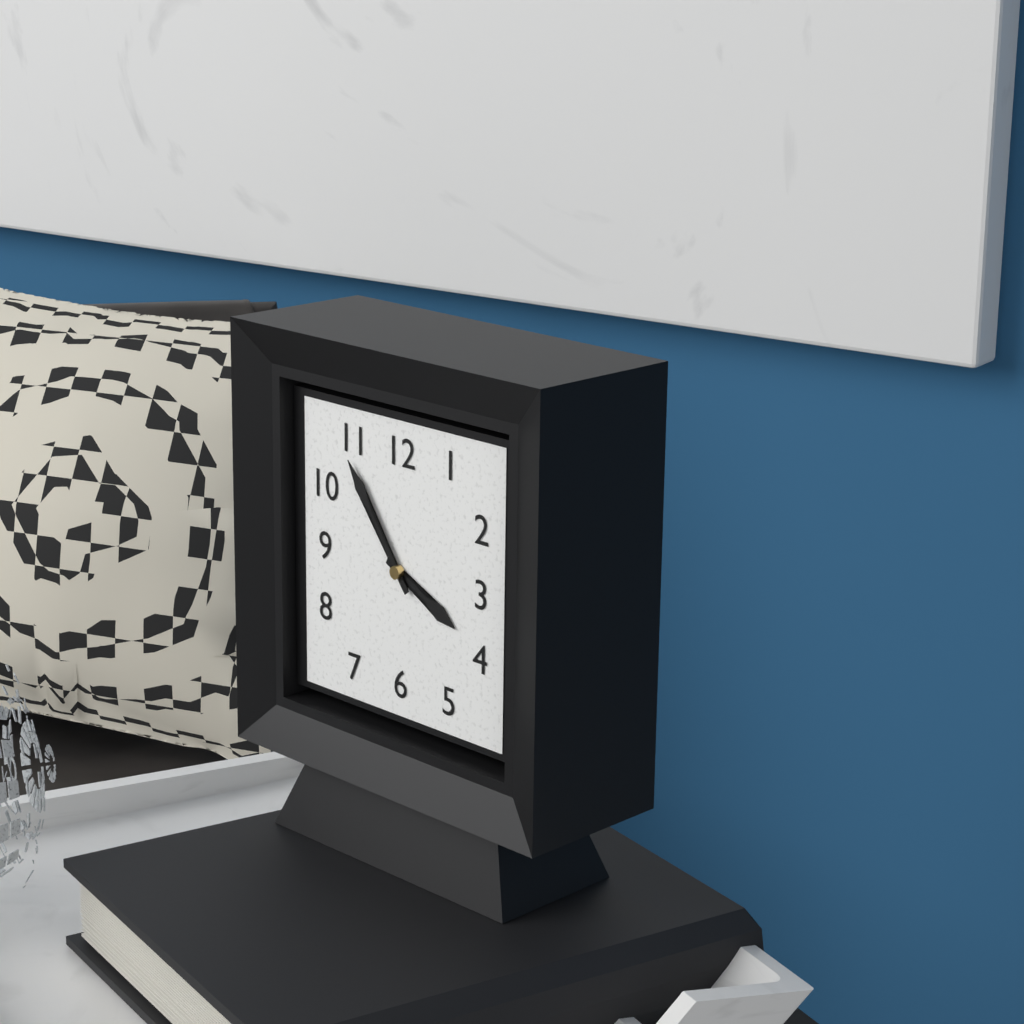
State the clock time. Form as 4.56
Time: 3.54
